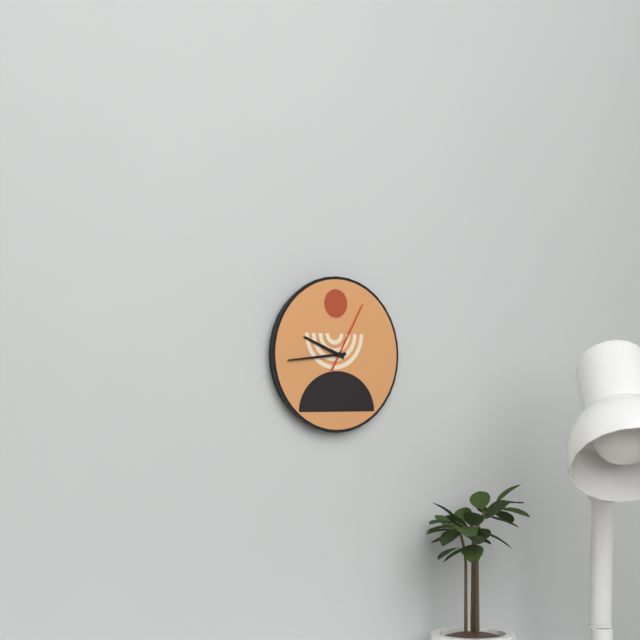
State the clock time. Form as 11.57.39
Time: 9.44.05
